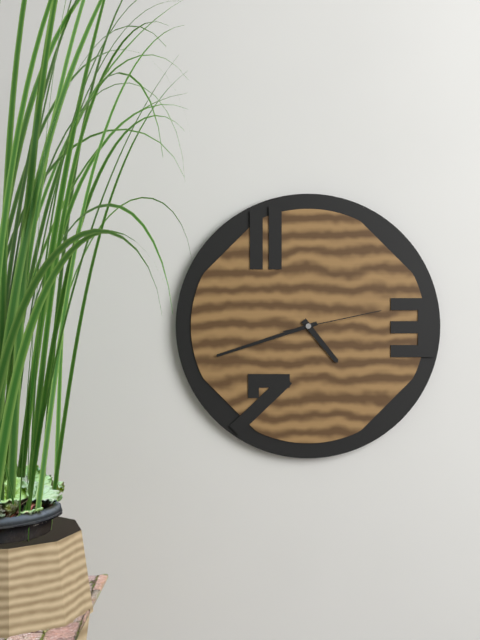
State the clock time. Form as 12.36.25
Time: 4.42.13
